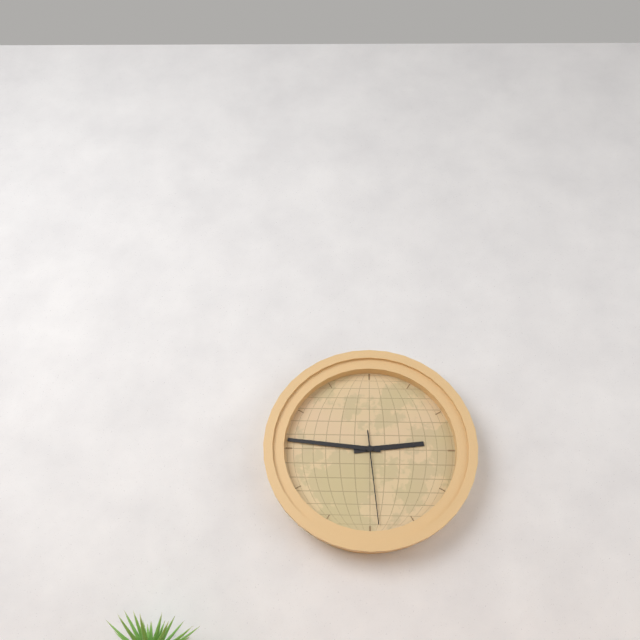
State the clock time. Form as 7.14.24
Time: 2.46.29
